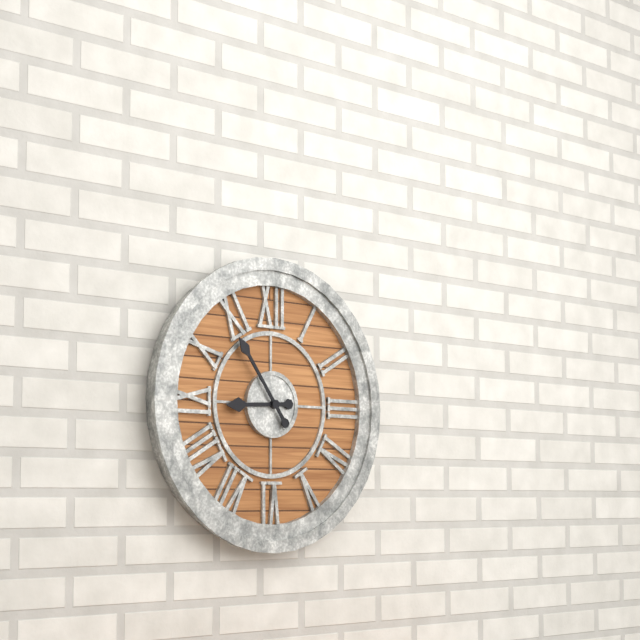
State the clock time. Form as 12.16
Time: 8.54
